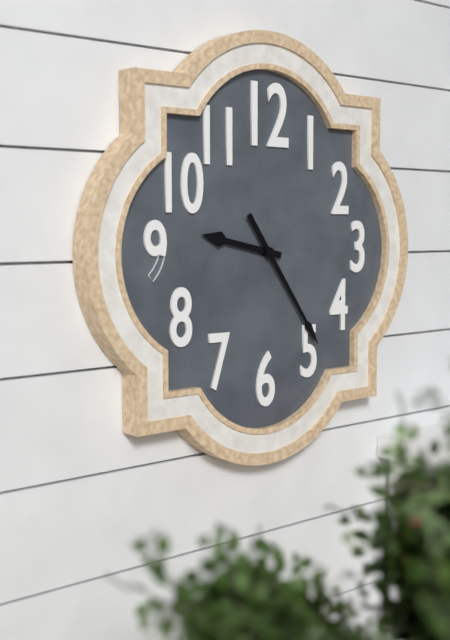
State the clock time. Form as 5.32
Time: 9.24
